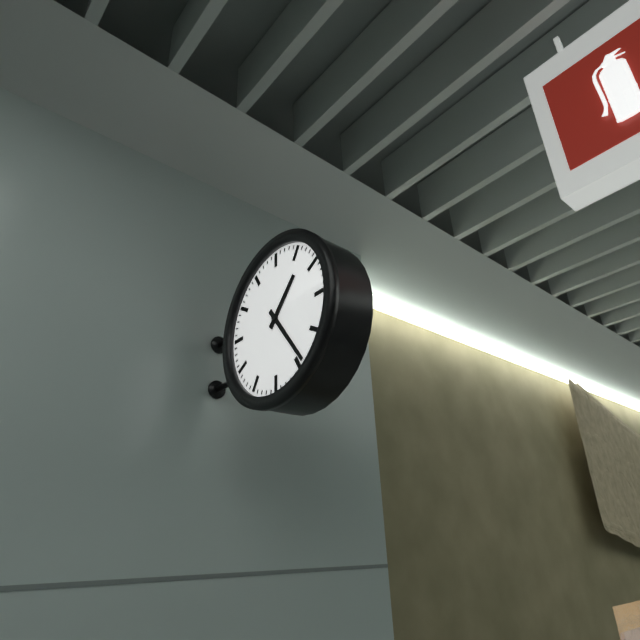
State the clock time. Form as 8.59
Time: 1.24
